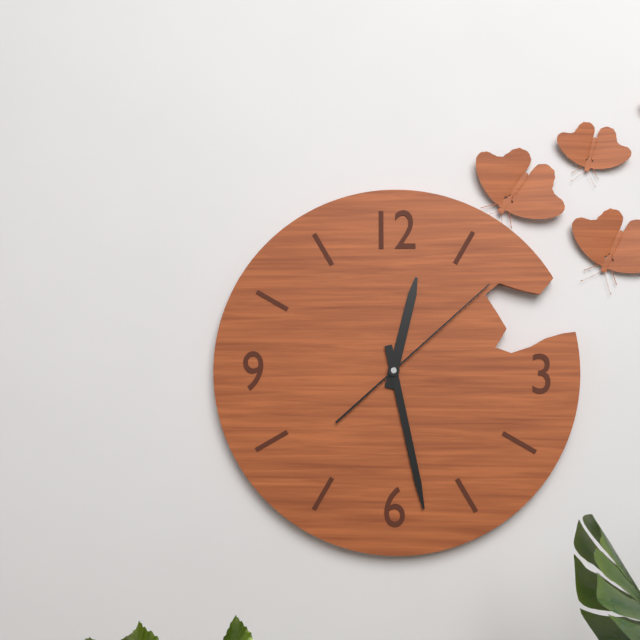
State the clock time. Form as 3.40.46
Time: 12.28.08
